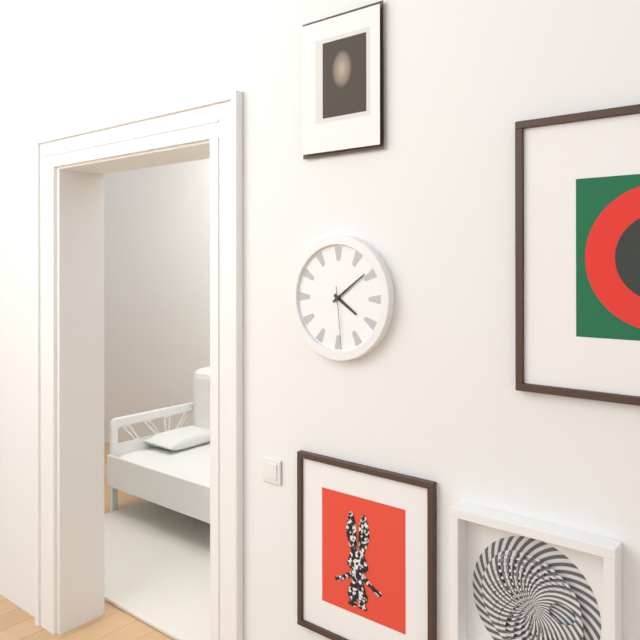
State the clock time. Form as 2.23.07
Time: 4.09.29
